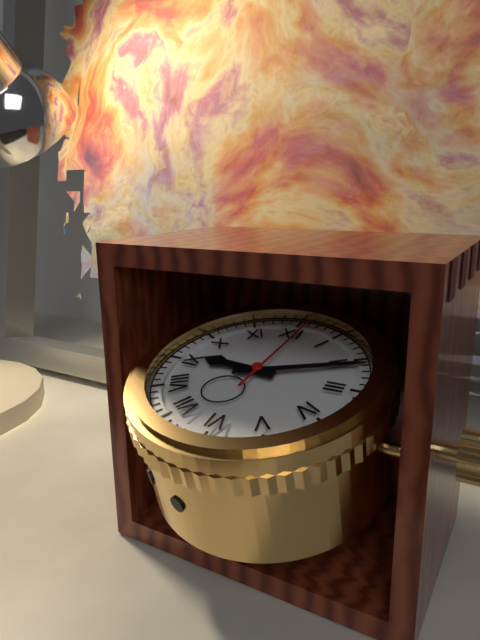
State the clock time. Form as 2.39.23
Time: 9.11.01
